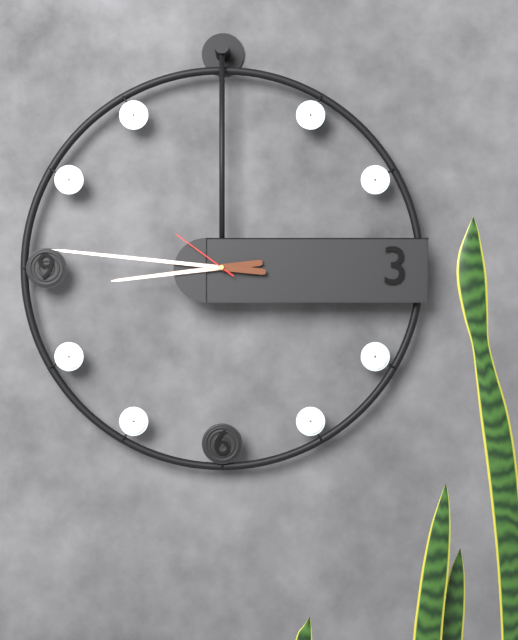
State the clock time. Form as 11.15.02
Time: 8.46.51
